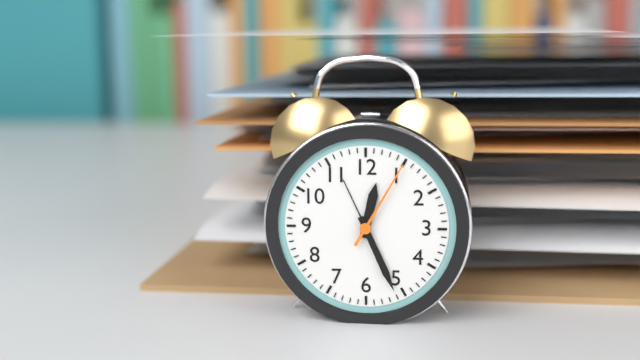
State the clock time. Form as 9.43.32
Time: 12.26.05
